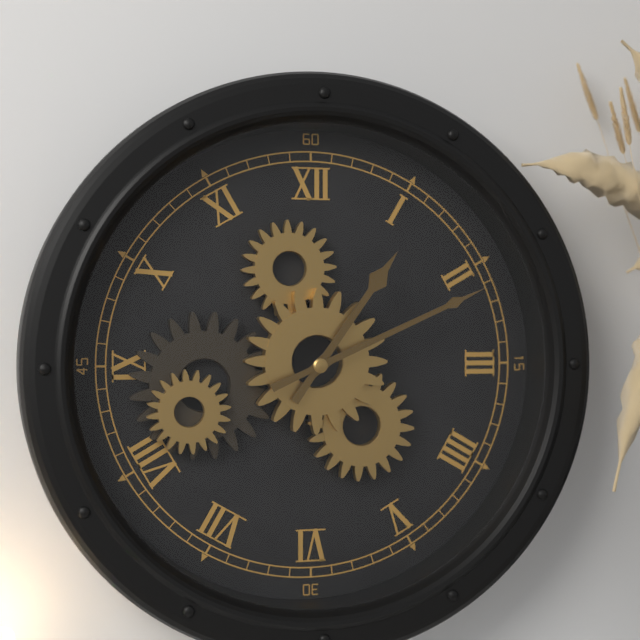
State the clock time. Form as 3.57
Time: 1.11
